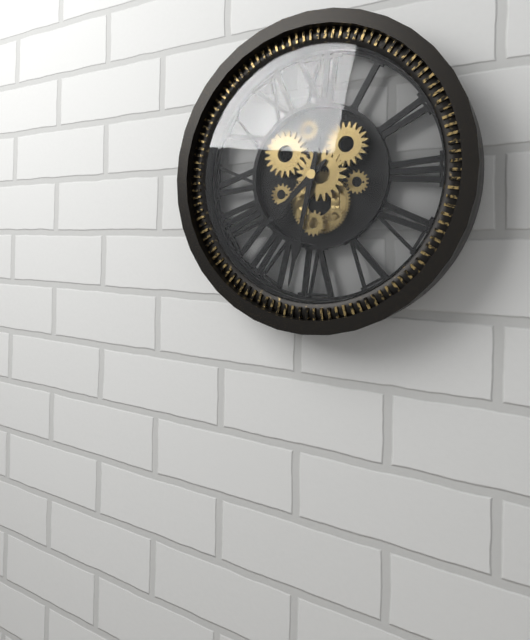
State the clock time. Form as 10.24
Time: 7.32
